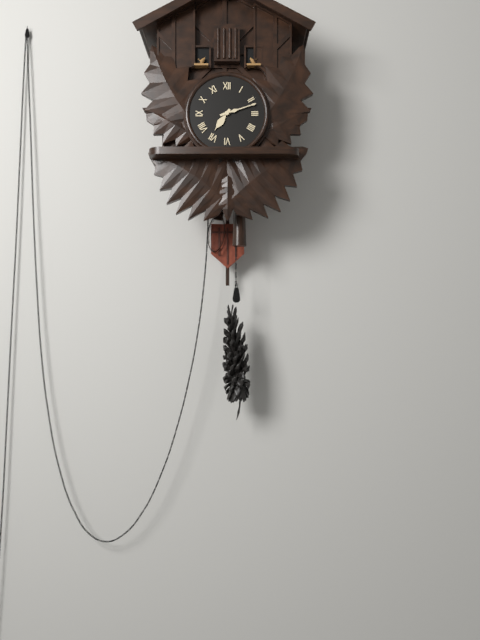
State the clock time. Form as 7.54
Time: 7.12
